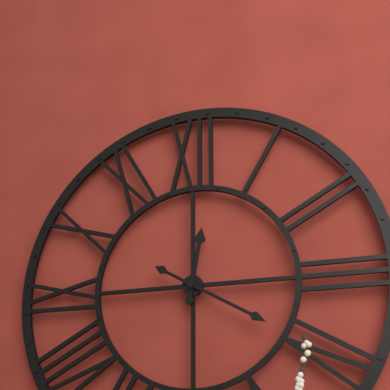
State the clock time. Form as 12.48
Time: 12.20
